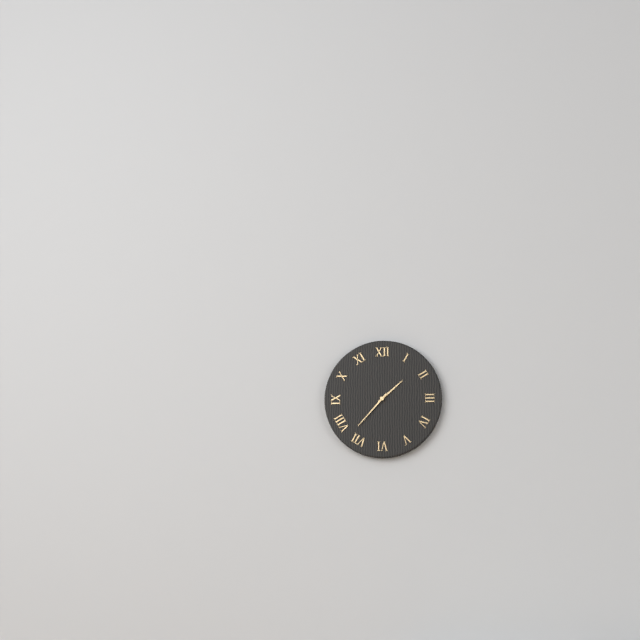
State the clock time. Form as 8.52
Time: 1.37
